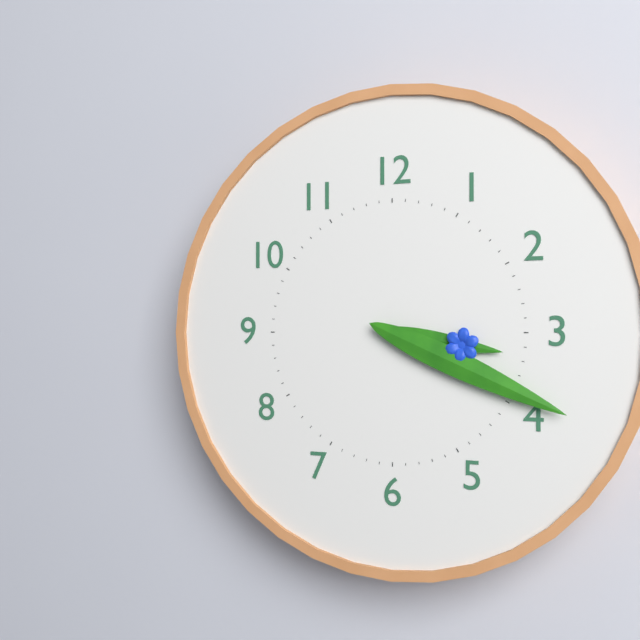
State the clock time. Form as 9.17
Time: 3.19
